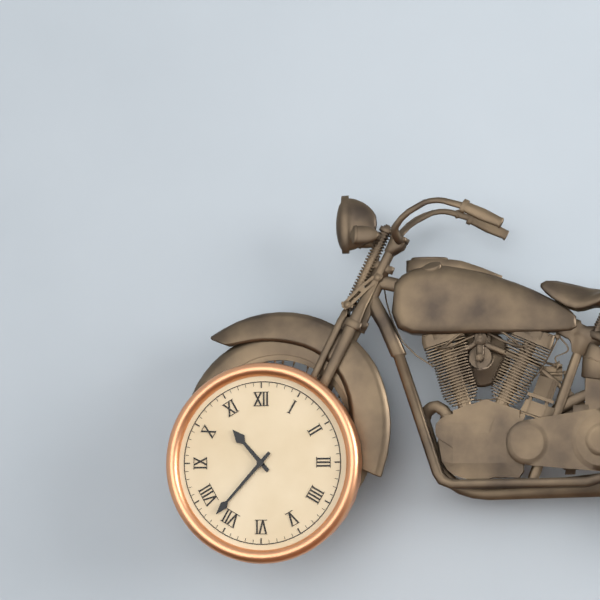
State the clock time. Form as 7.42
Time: 10.37
